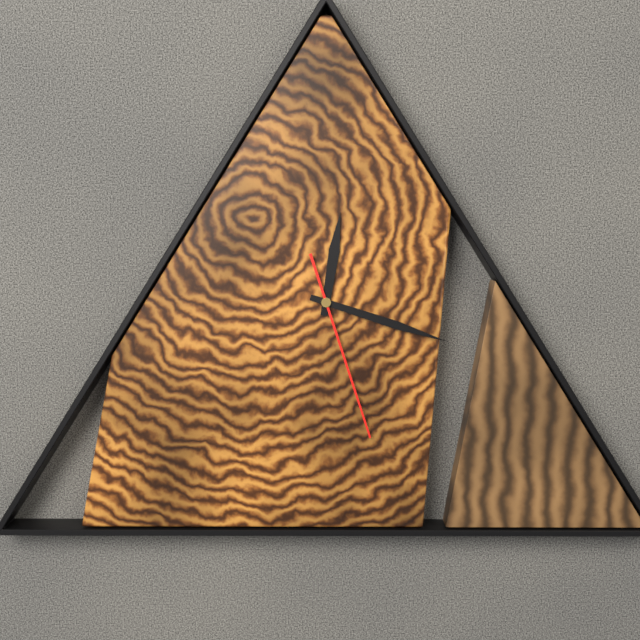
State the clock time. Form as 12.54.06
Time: 12.18.27
